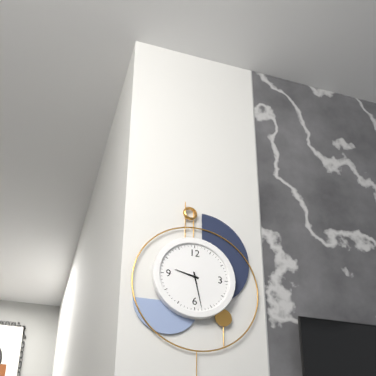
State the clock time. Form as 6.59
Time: 9.28
